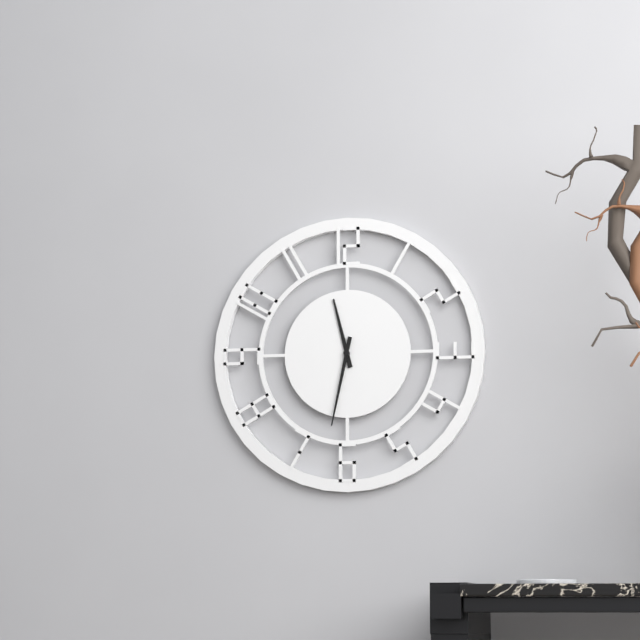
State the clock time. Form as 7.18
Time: 11.32
